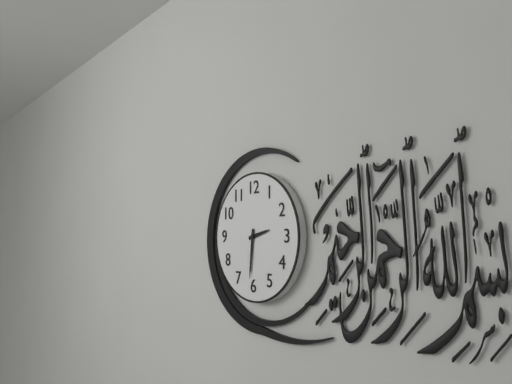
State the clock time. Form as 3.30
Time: 2.31
